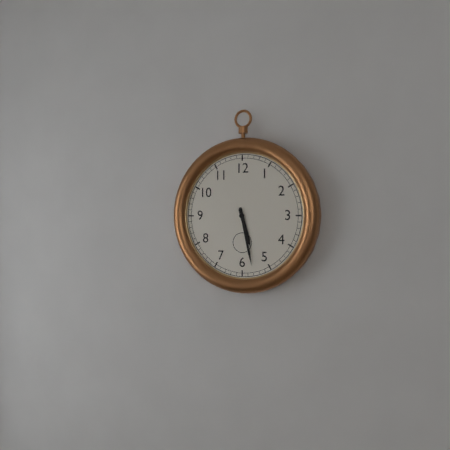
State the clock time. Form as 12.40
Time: 5.28
